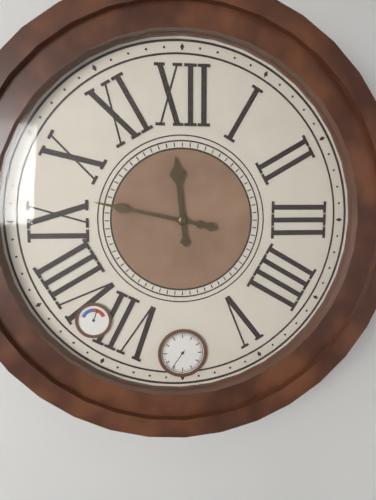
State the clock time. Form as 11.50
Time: 11.47
